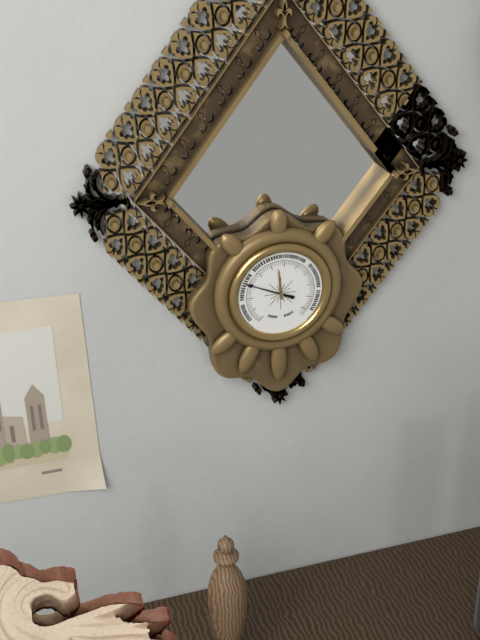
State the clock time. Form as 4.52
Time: 11.49
